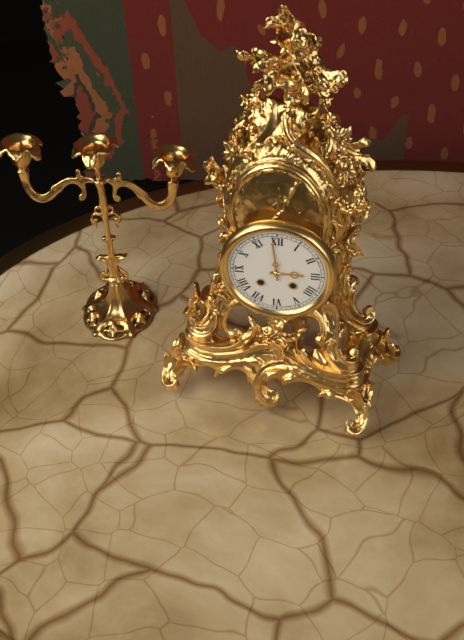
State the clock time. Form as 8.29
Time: 2.59
